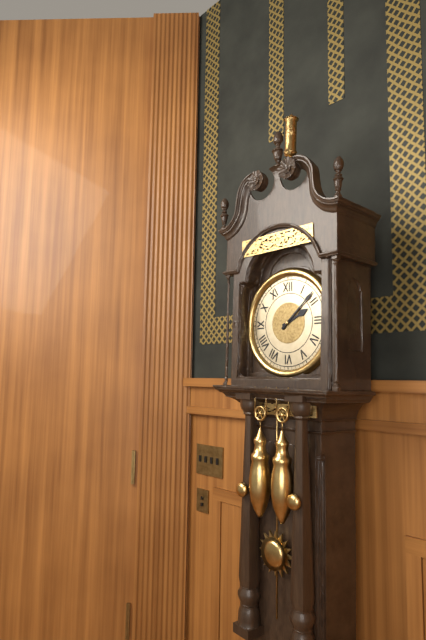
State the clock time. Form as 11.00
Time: 2.08
